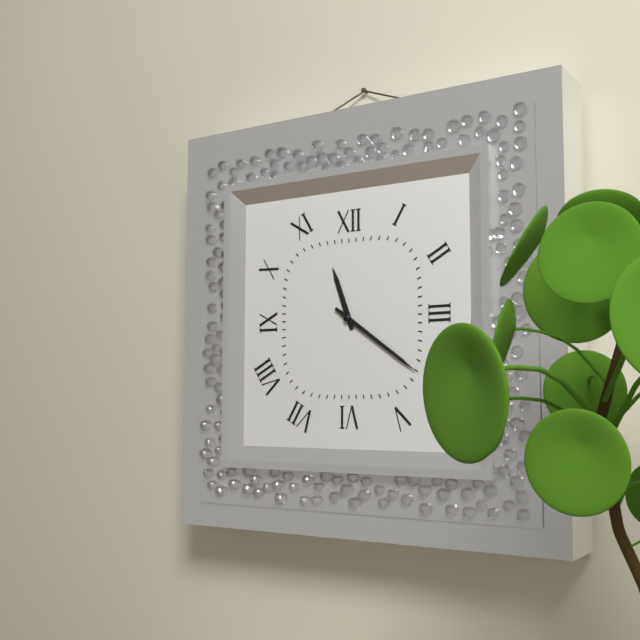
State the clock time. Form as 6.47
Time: 11.21
